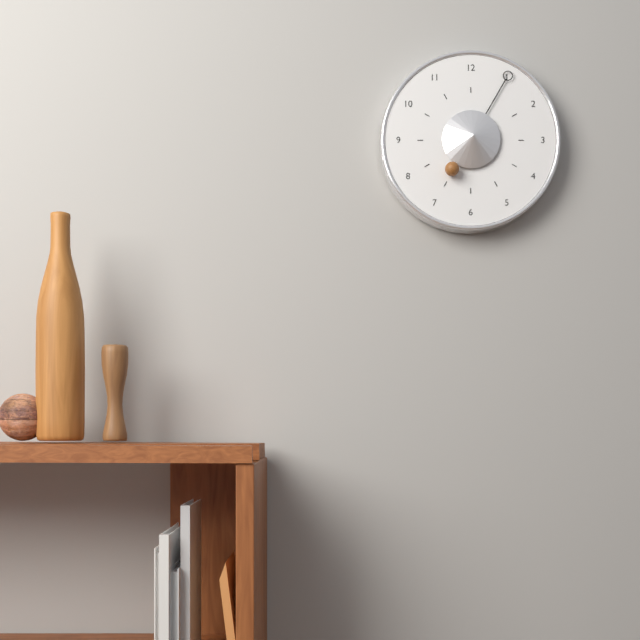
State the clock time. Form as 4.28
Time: 7.05
